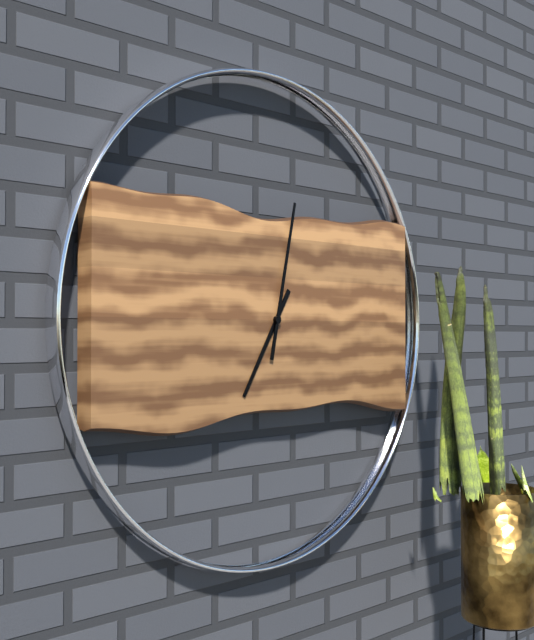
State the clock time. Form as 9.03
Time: 7.02
